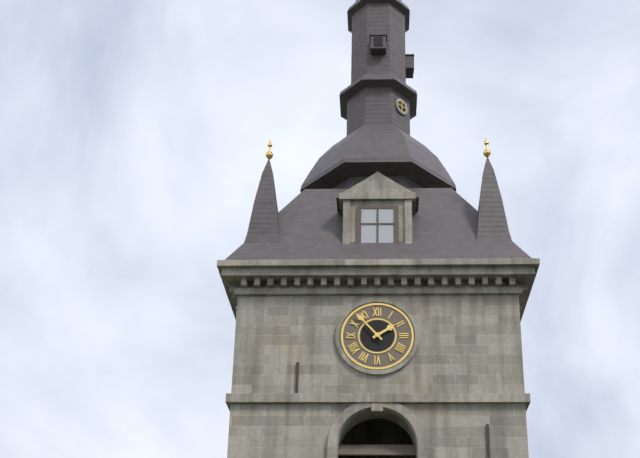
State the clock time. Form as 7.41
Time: 1.53
